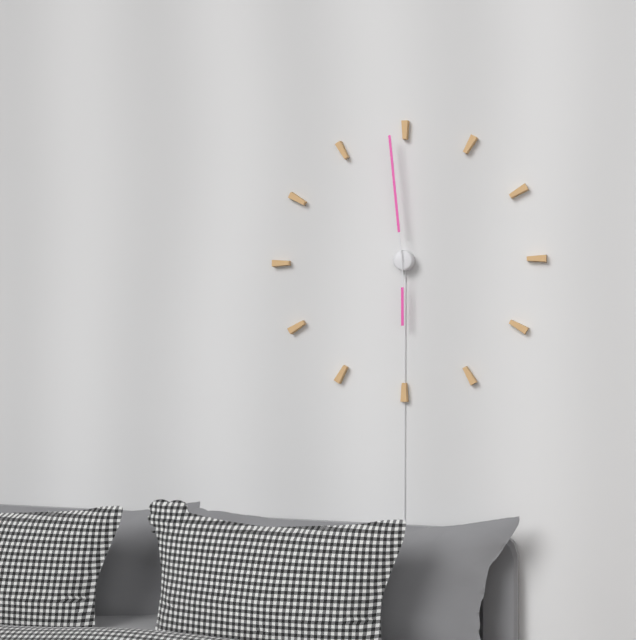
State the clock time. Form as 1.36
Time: 5.59
